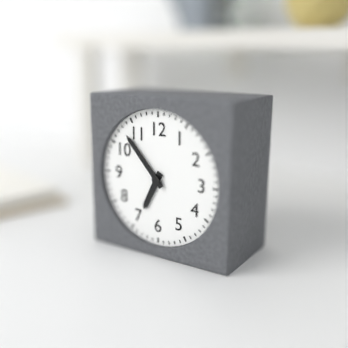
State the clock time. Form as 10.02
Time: 6.53
